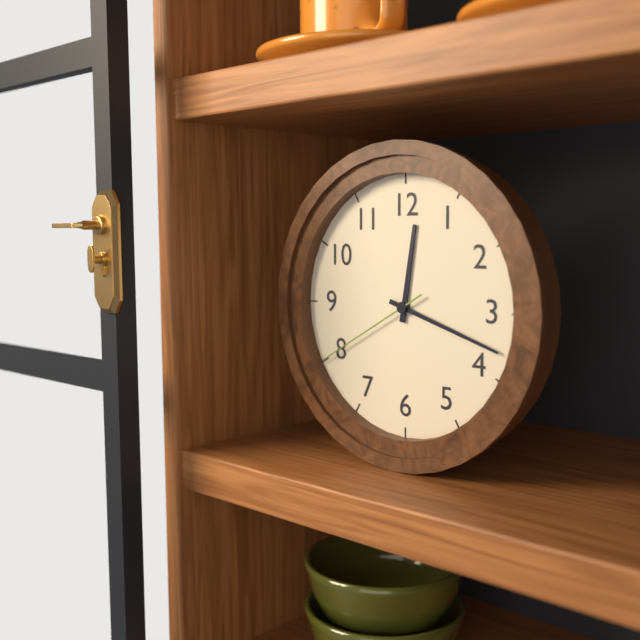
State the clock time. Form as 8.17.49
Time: 12.18.40
